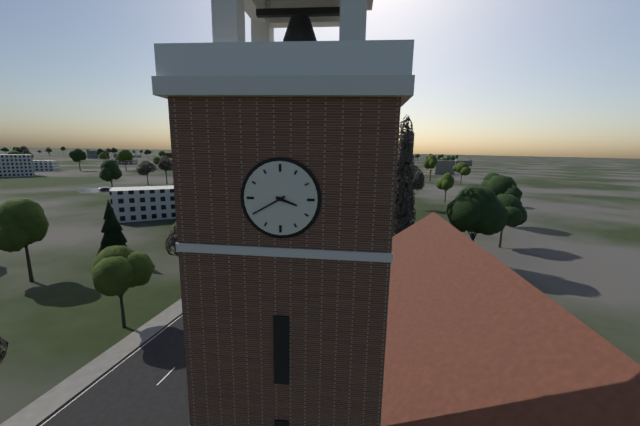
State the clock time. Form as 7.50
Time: 3.40
